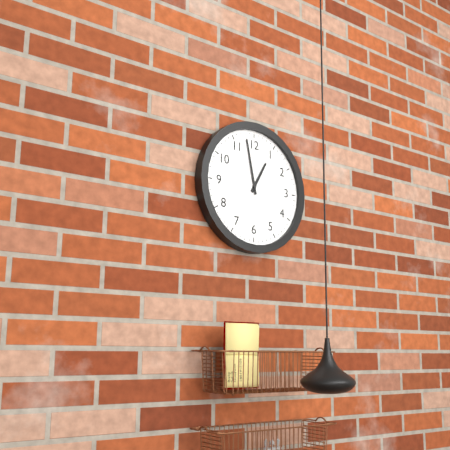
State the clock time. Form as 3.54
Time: 12.58
